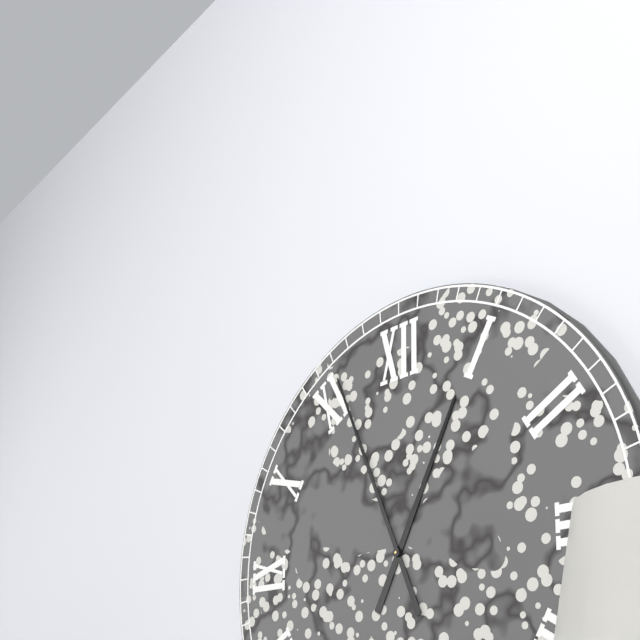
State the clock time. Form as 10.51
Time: 12.56
